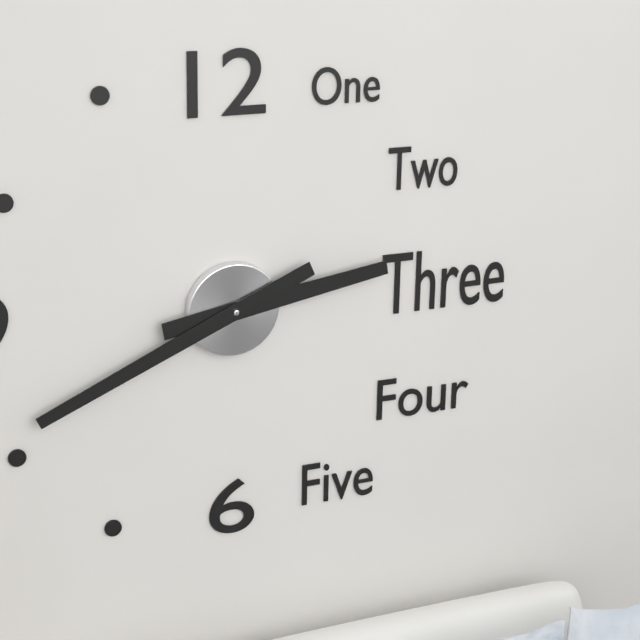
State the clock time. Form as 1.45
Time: 2.41
